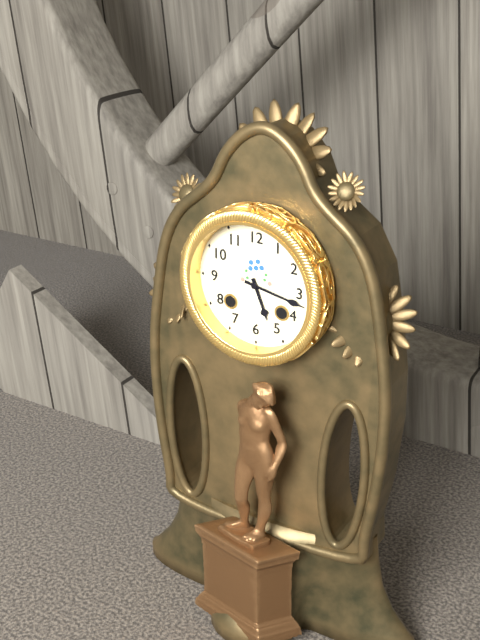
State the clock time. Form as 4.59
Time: 5.17
